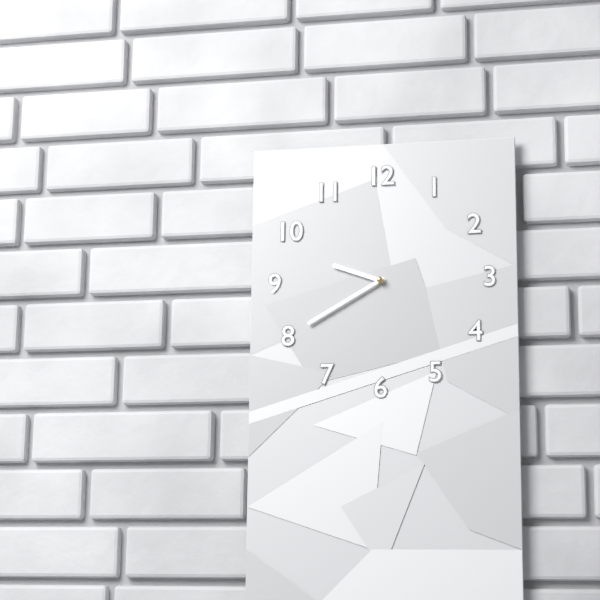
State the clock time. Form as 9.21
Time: 9.40
